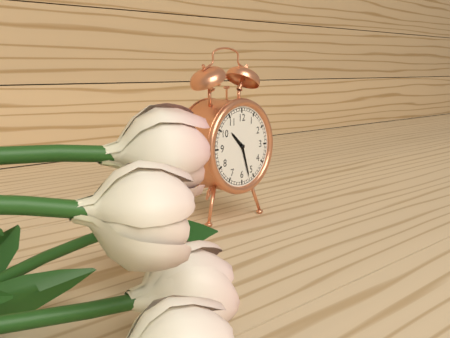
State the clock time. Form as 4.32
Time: 10.27
